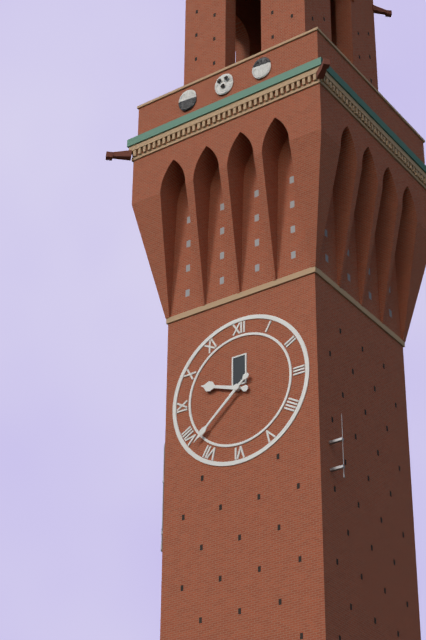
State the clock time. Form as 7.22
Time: 9.38
